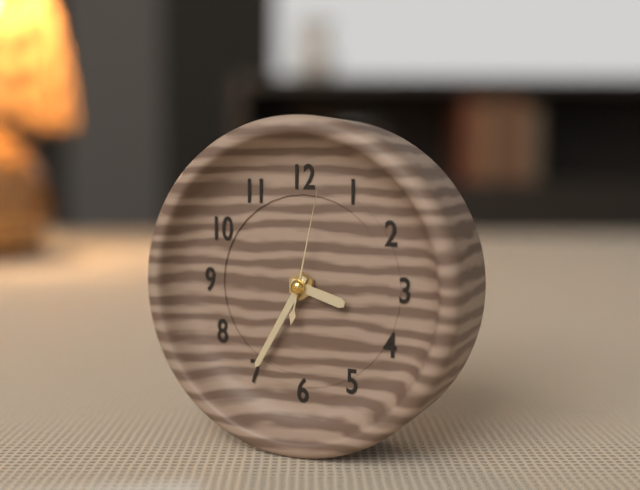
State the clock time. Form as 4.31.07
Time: 3.35.02
